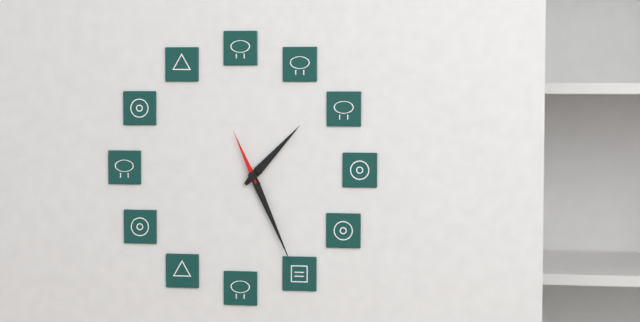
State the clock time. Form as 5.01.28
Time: 1.26.56
